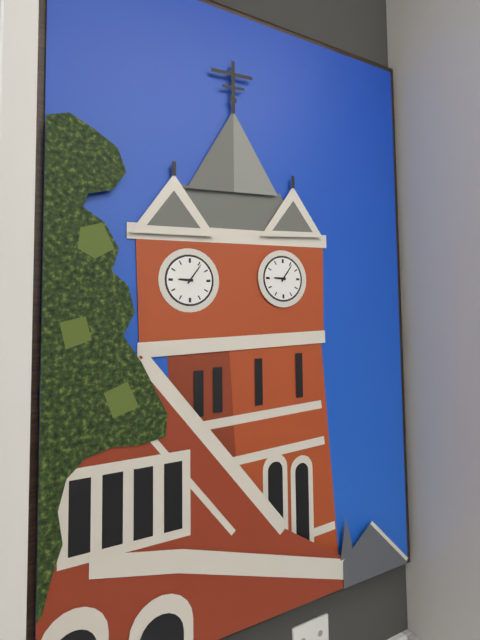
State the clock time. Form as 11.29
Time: 9.06
